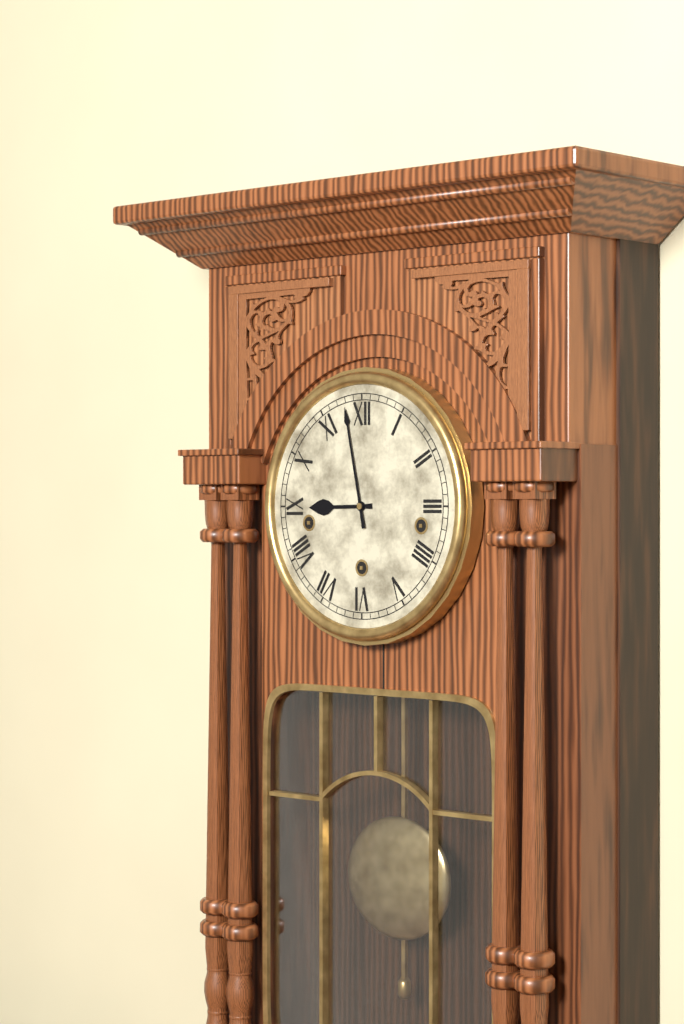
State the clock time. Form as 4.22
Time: 8.58
